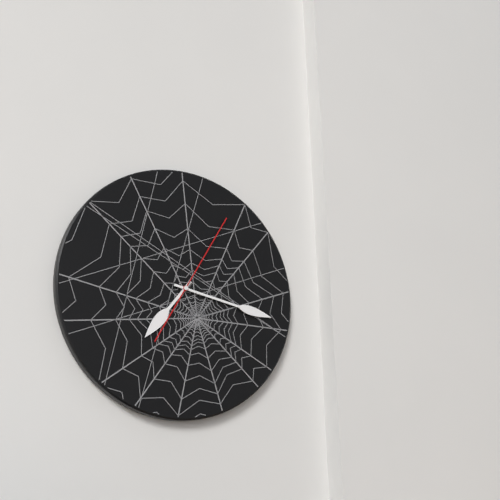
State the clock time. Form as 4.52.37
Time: 7.17.05
